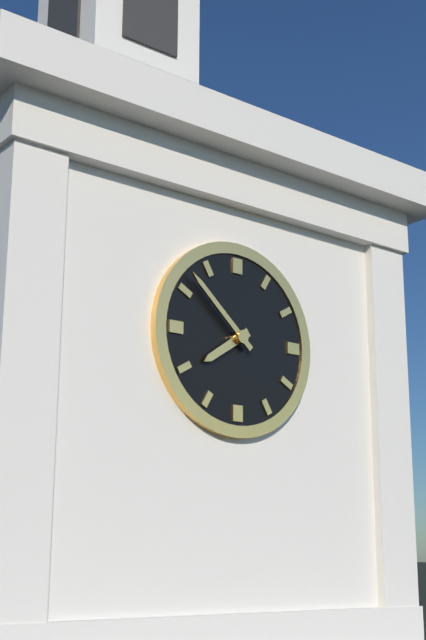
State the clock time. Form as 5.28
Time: 7.52
